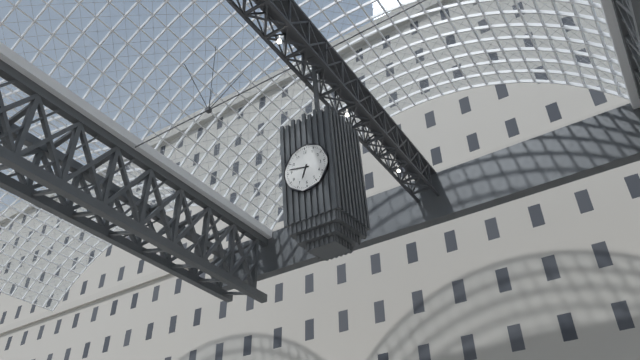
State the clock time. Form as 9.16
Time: 6.47
